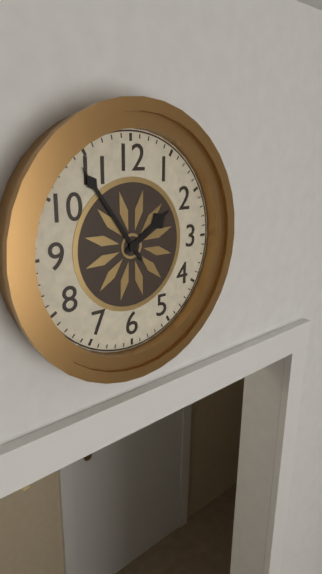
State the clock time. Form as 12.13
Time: 1.54
